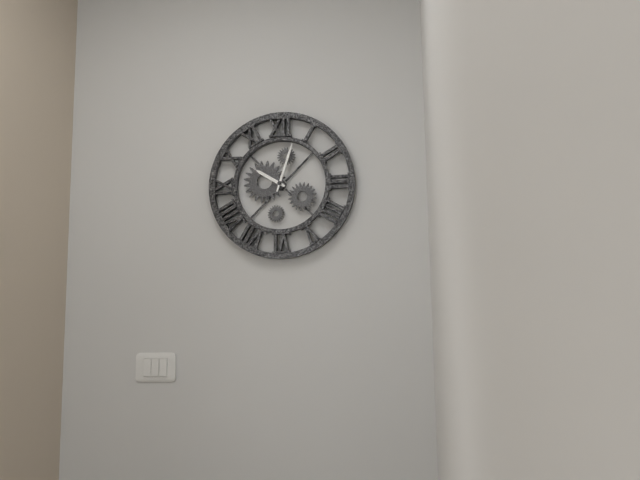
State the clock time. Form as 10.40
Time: 10.03
